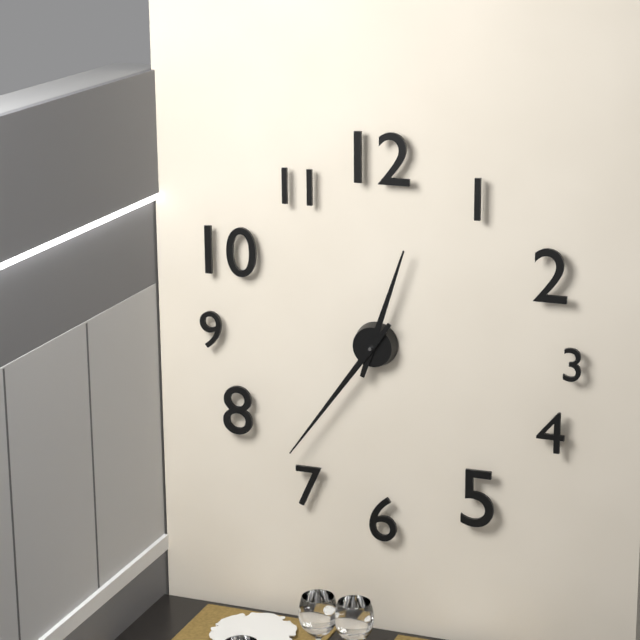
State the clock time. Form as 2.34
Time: 12.36
